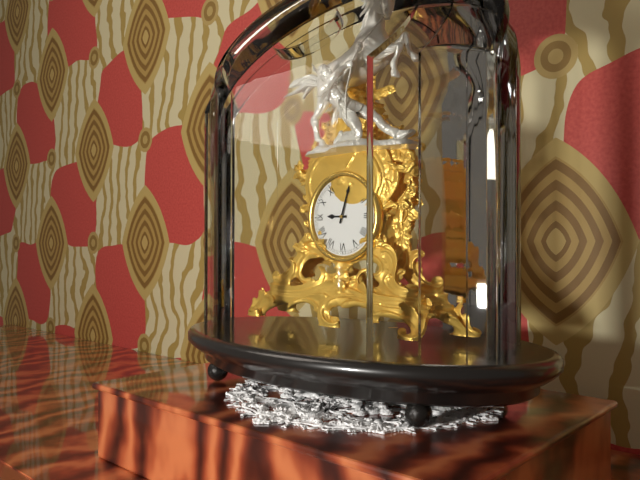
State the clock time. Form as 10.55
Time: 9.03
